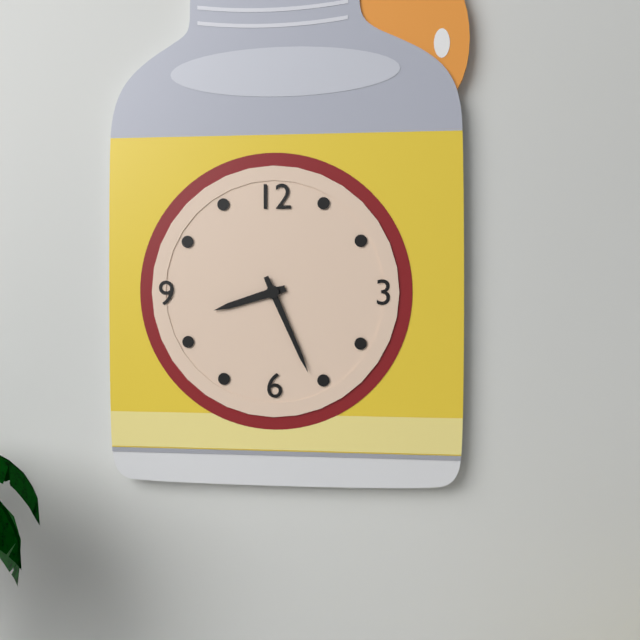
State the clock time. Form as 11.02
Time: 8.26
